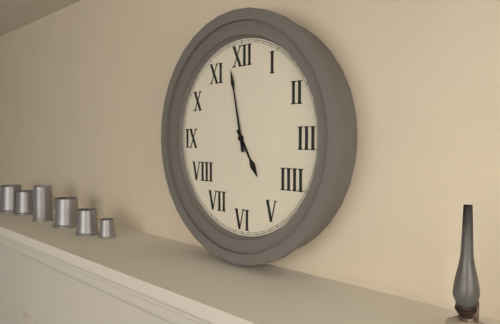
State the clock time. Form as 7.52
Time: 4.58
